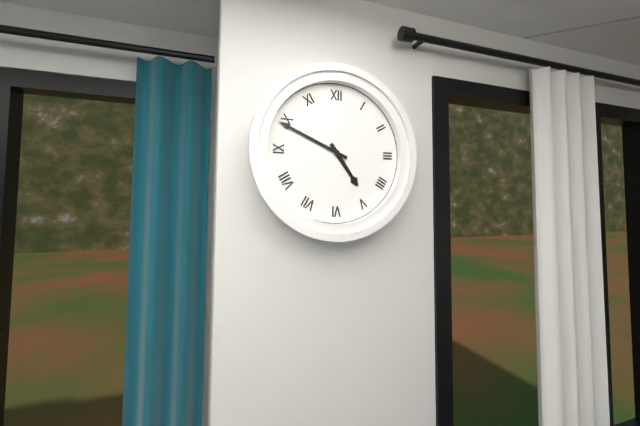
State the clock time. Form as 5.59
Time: 4.49
